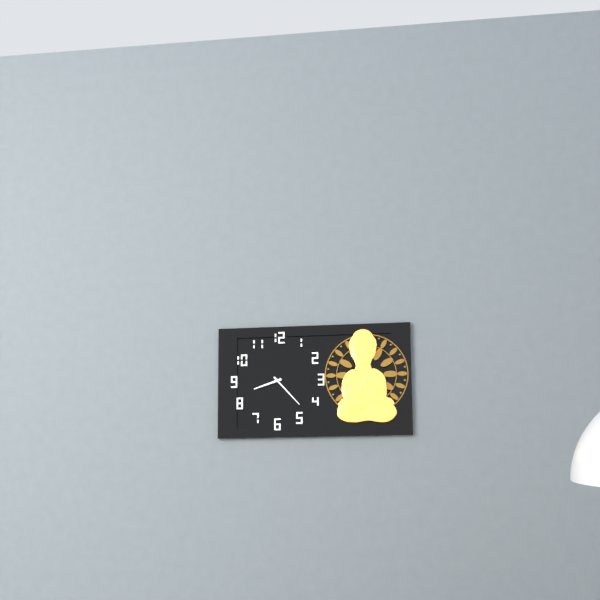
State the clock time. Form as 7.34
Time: 8.23
